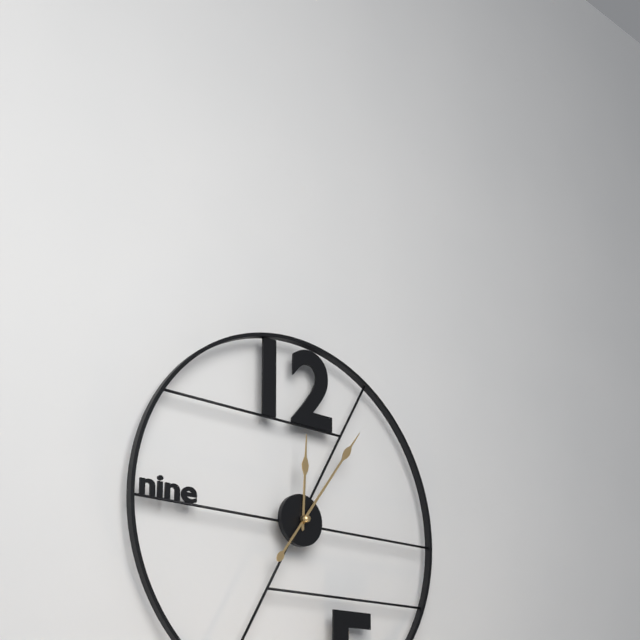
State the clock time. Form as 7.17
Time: 12.06
